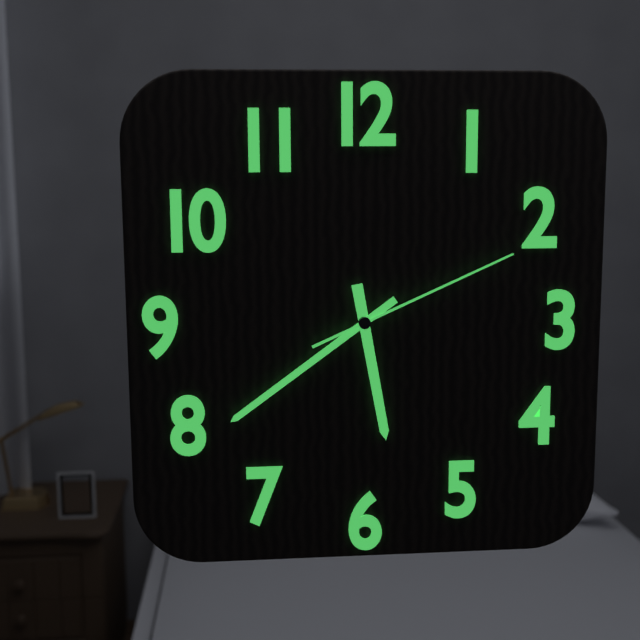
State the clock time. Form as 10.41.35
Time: 5.39.11
